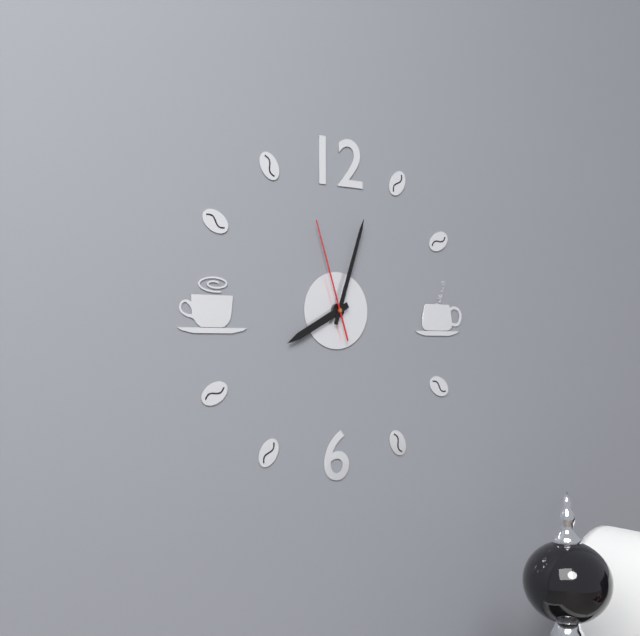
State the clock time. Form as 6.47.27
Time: 8.03.57
